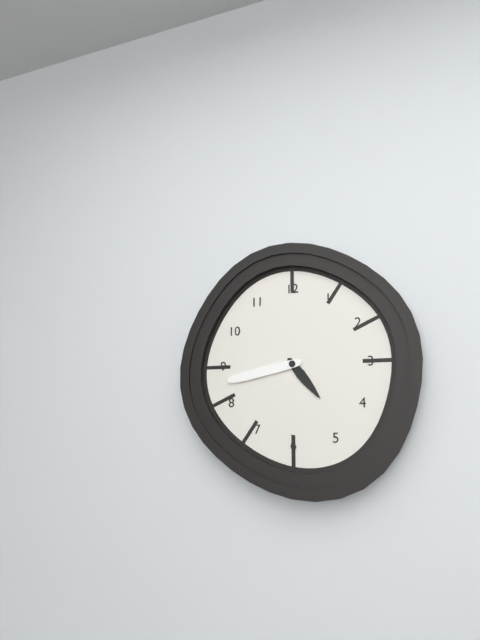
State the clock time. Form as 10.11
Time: 4.43
